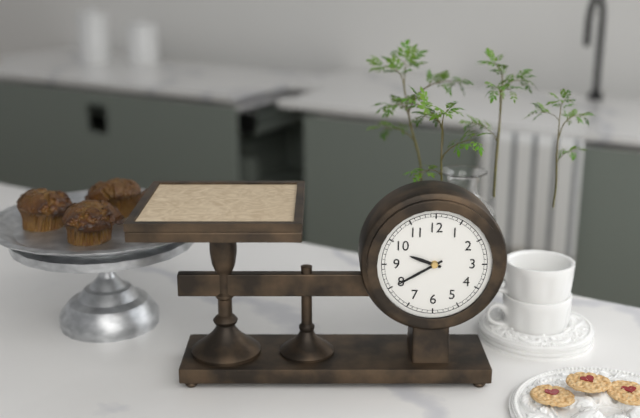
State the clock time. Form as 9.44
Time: 9.40
